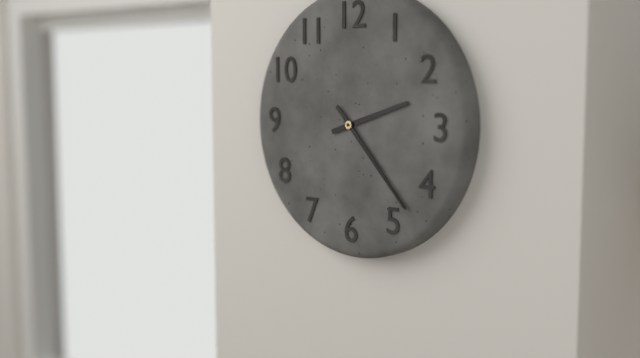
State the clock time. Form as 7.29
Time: 2.23
